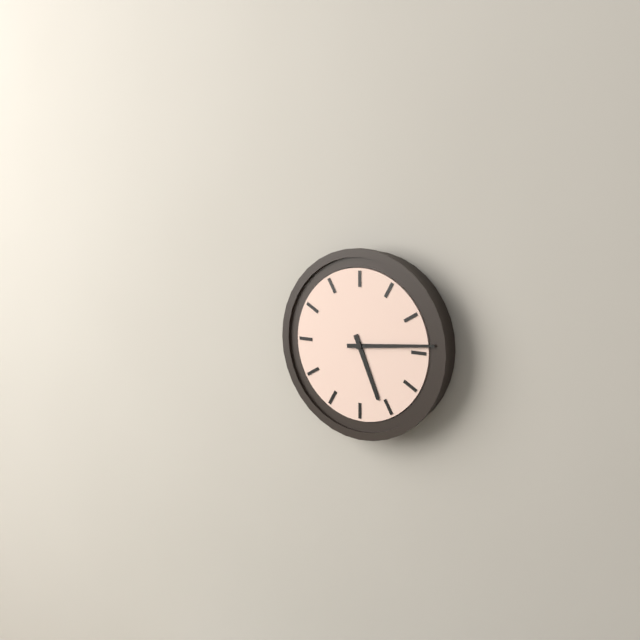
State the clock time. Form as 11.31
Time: 5.14
